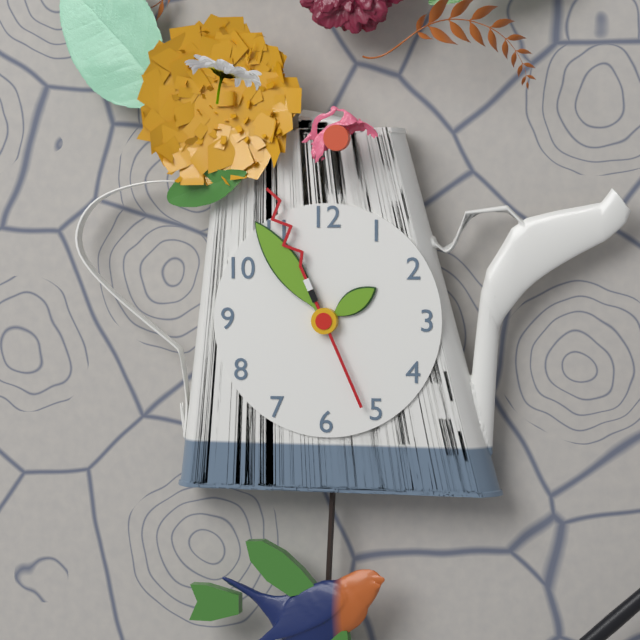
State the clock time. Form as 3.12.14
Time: 1.54.56
